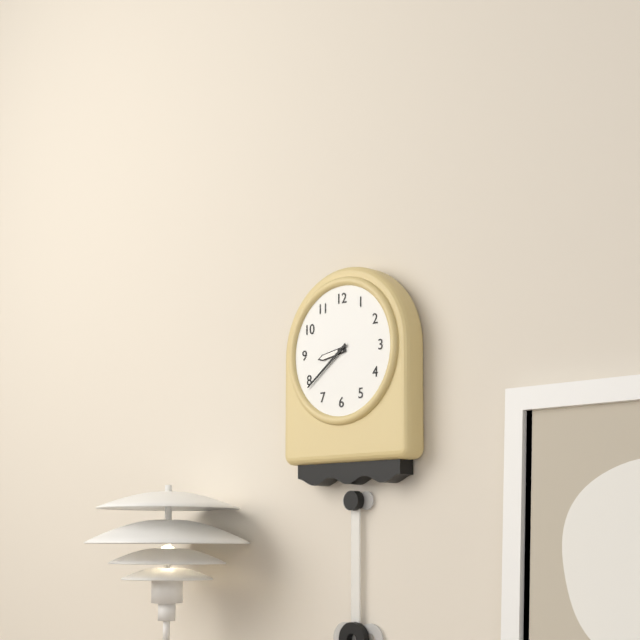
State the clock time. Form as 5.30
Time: 8.39
